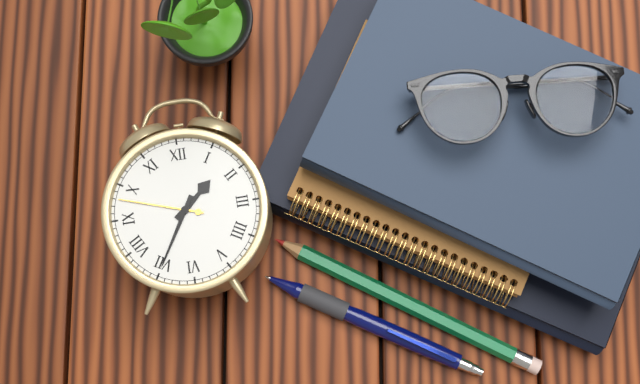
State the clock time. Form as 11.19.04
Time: 1.35.48
